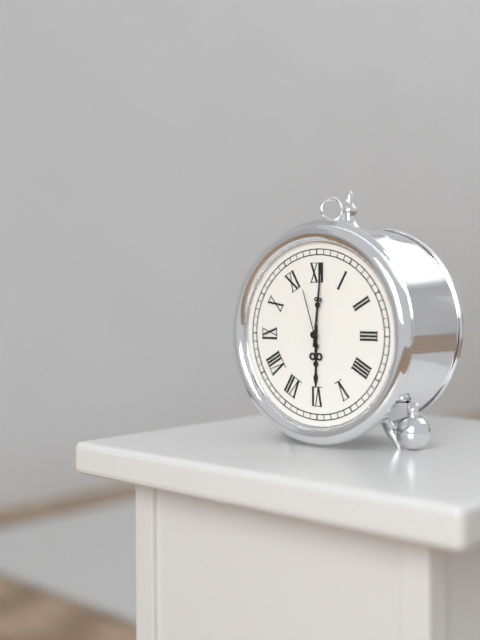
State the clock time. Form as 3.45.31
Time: 6.01.57
